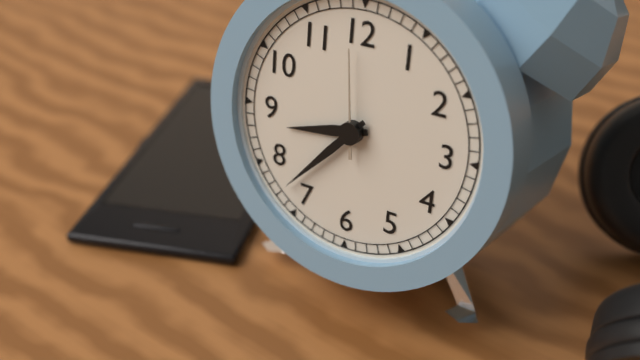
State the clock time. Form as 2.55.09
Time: 8.37.59
